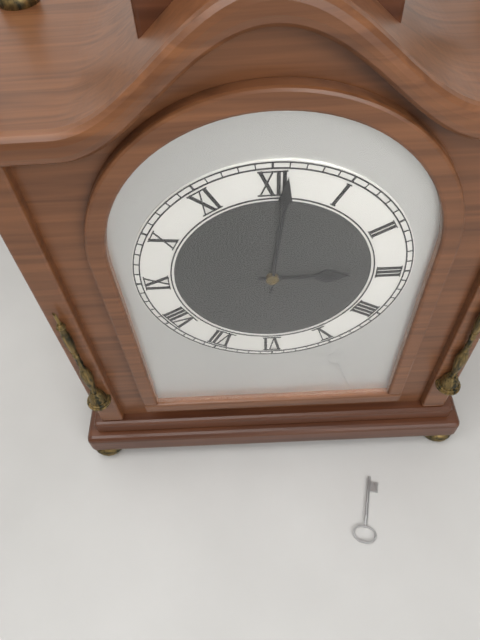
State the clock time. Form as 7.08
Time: 3.01
